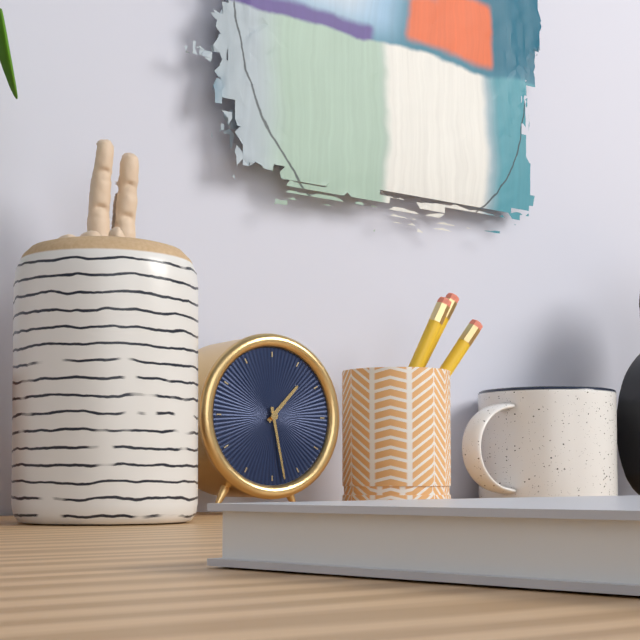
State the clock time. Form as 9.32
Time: 1.28
